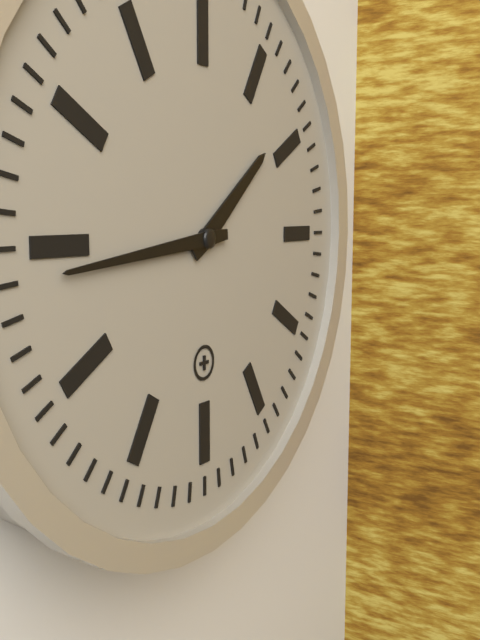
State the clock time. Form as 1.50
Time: 1.44
